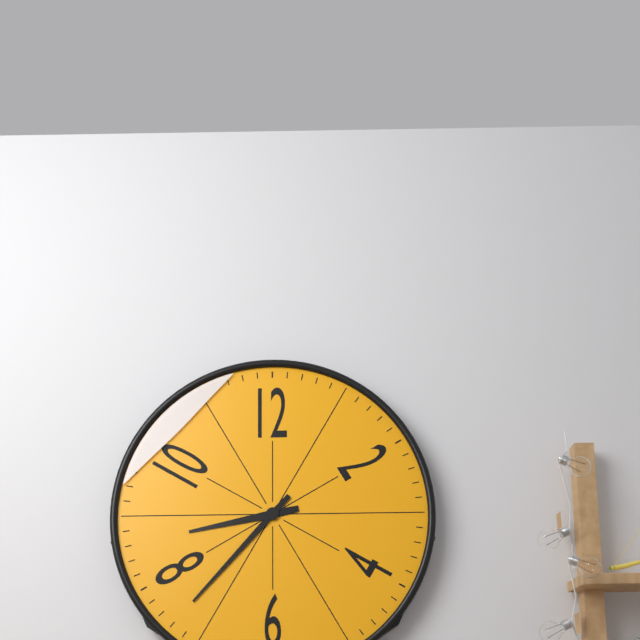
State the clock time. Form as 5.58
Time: 8.37
